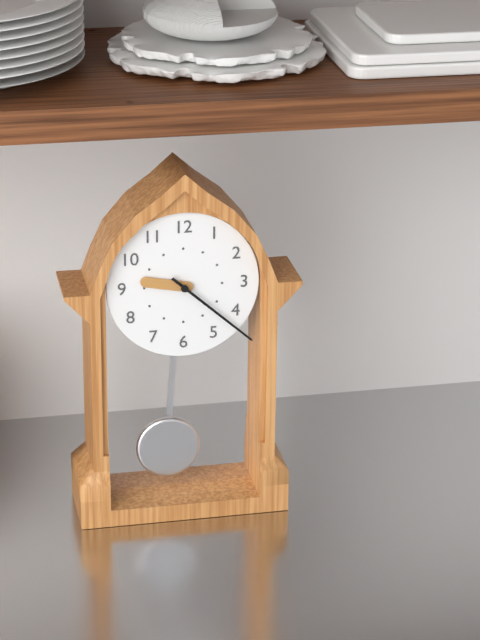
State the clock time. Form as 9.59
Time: 9.22
